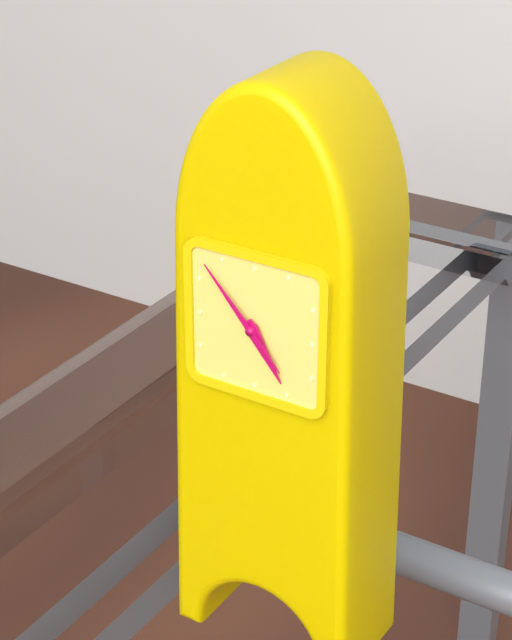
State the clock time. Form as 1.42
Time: 4.53
